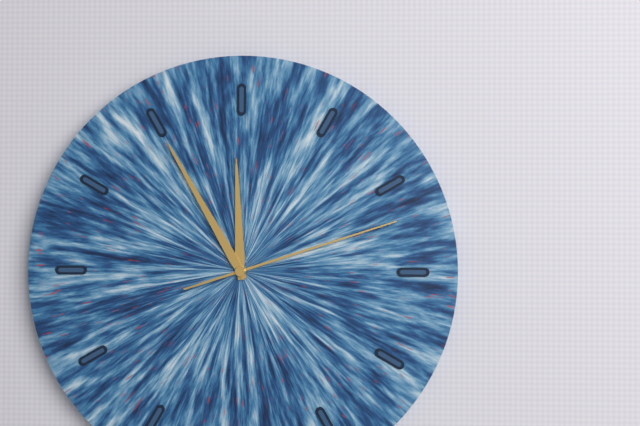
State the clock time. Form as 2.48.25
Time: 11.55.12
